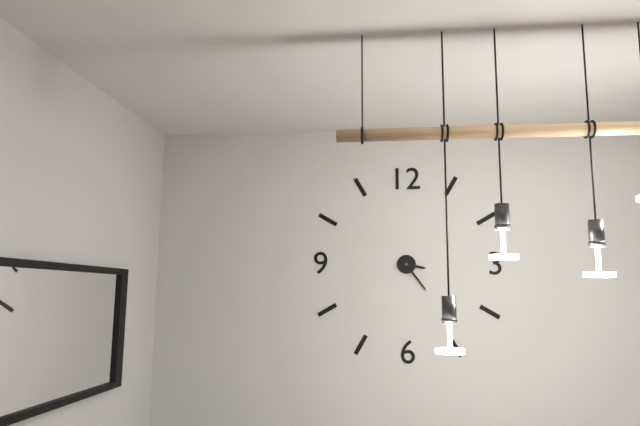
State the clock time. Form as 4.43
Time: 3.24
